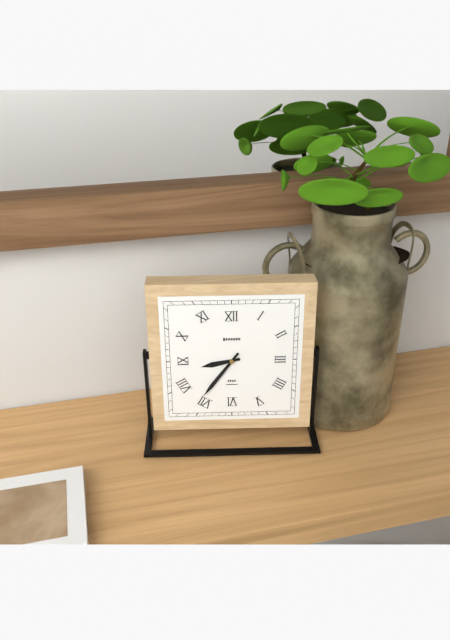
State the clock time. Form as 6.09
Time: 8.36
